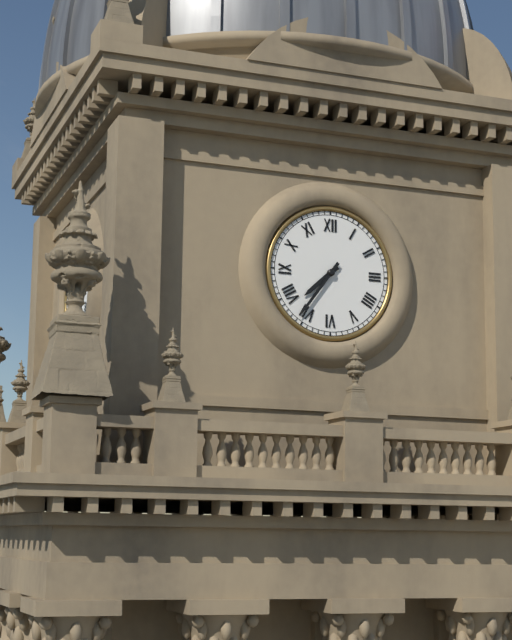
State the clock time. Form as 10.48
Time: 7.36
